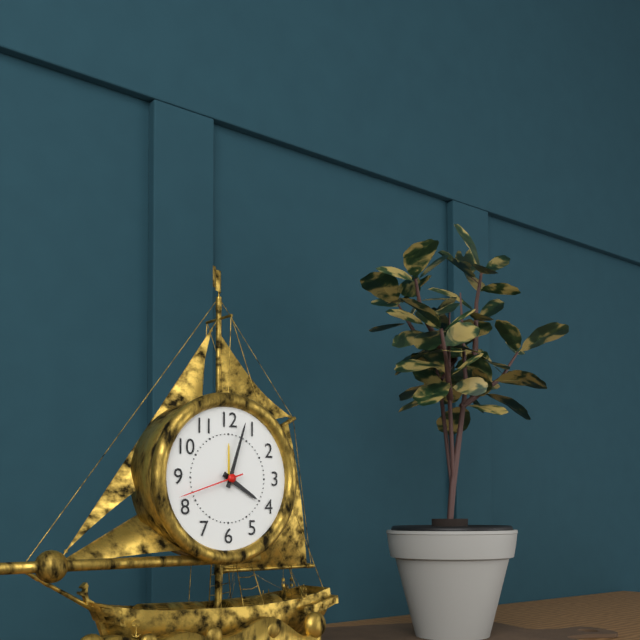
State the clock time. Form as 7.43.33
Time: 4.03.42
